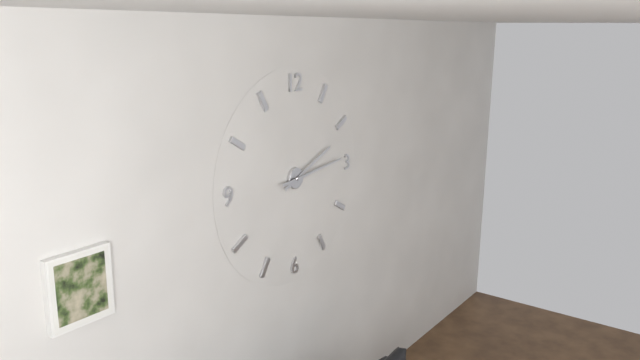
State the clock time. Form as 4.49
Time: 2.14
